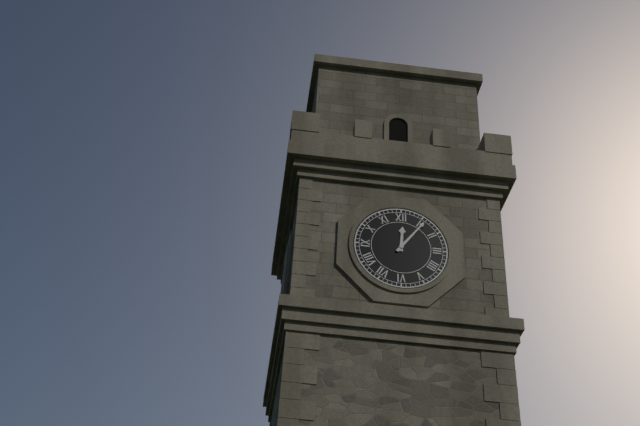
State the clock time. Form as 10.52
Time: 12.06
